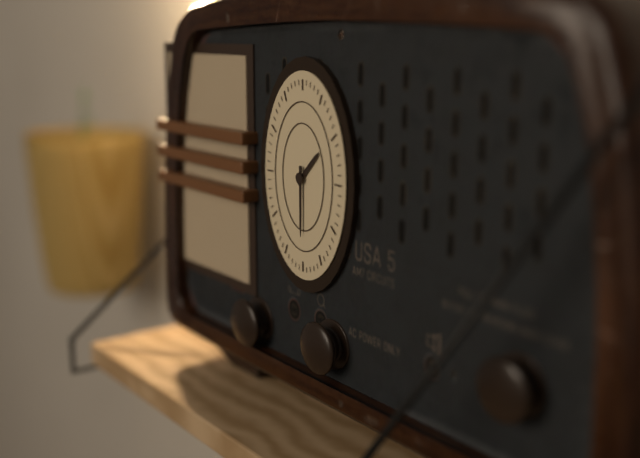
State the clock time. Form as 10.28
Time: 1.30
